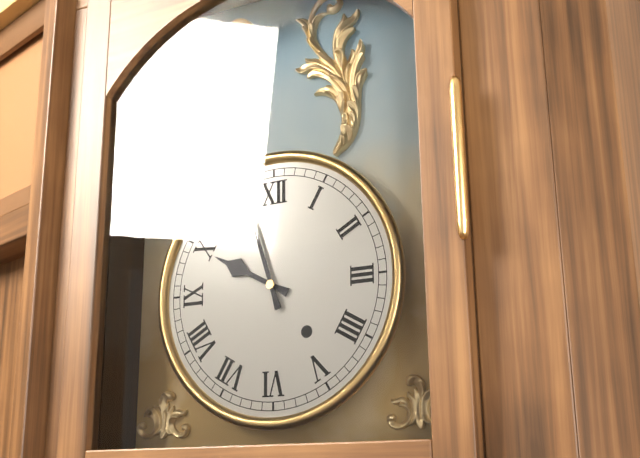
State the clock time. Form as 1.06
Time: 9.57
